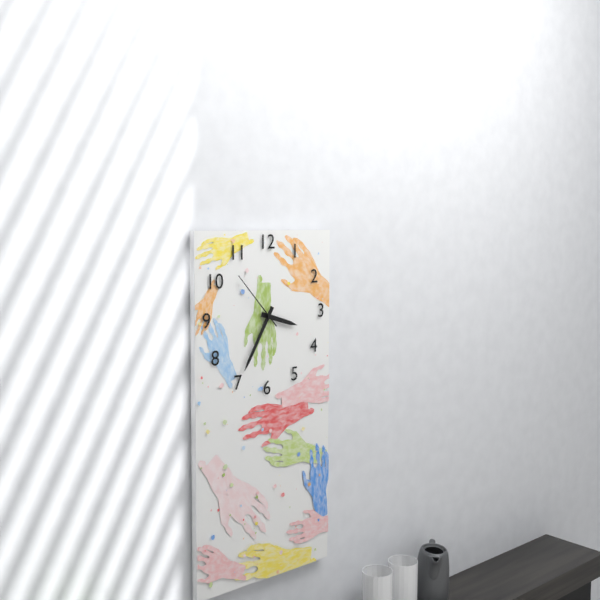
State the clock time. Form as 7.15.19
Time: 3.35.53
